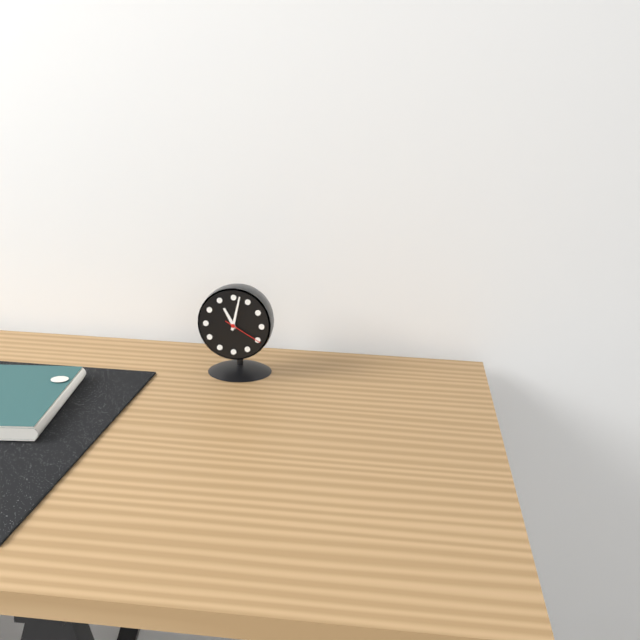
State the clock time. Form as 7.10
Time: 11.02
